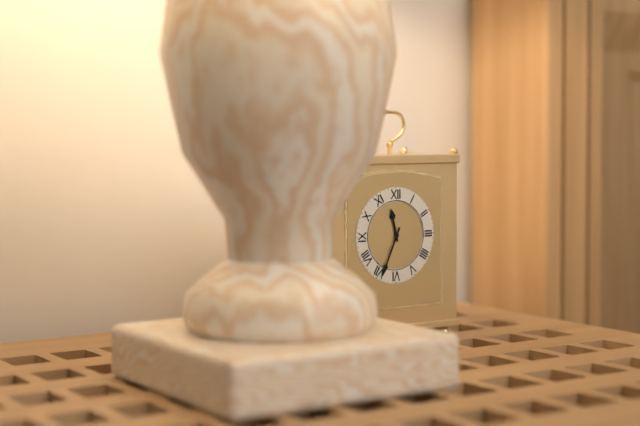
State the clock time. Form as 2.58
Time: 11.34
